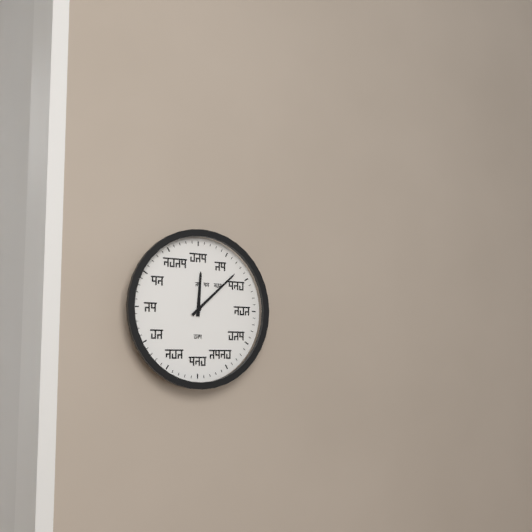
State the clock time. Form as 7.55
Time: 12.08
